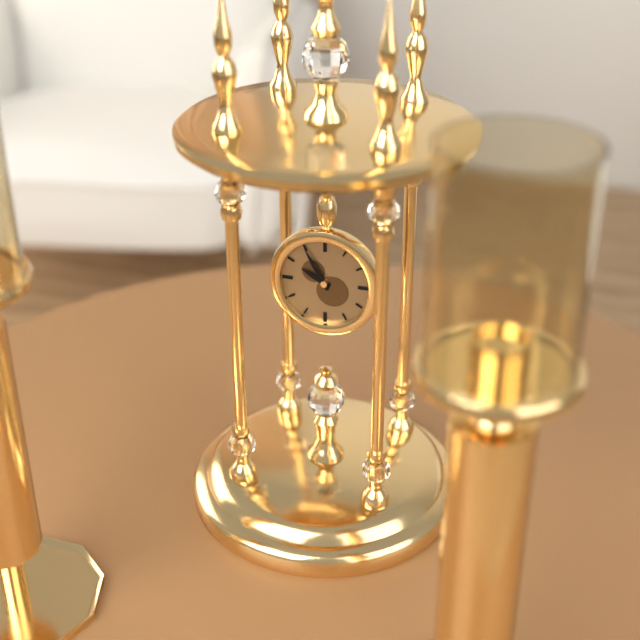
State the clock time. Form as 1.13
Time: 9.55
